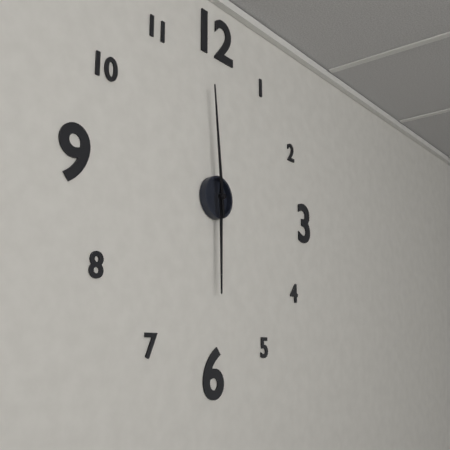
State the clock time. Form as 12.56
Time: 5.59
